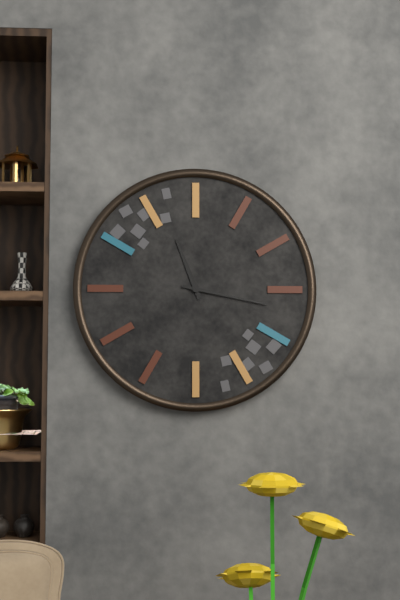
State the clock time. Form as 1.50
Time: 11.17
